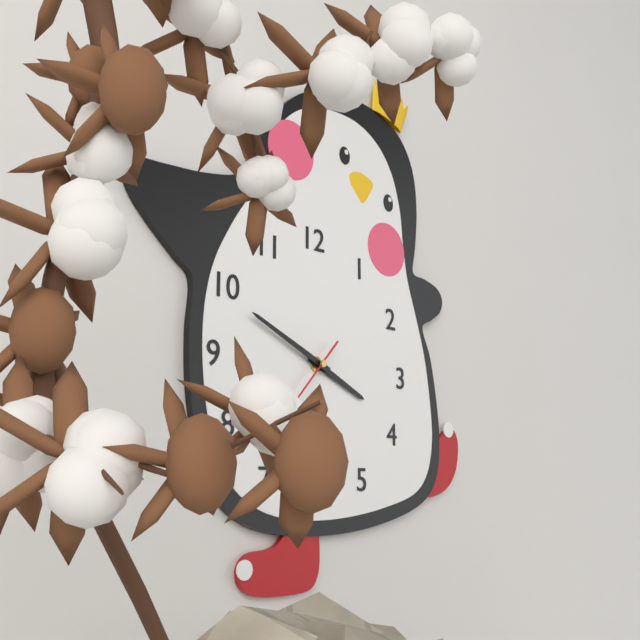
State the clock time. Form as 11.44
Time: 3.49
